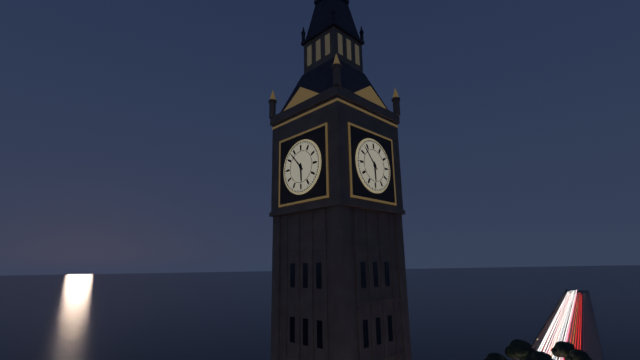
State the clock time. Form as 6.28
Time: 5.53
